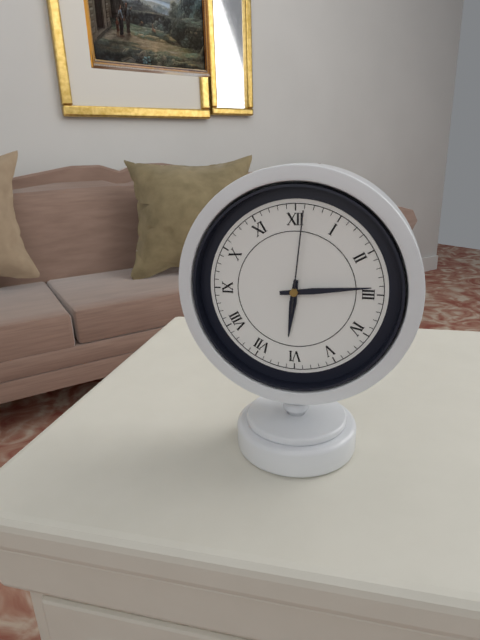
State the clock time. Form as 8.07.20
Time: 6.14.01
